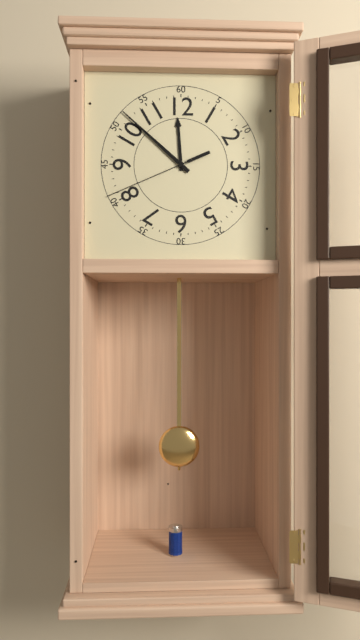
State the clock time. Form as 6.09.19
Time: 11.52.41
